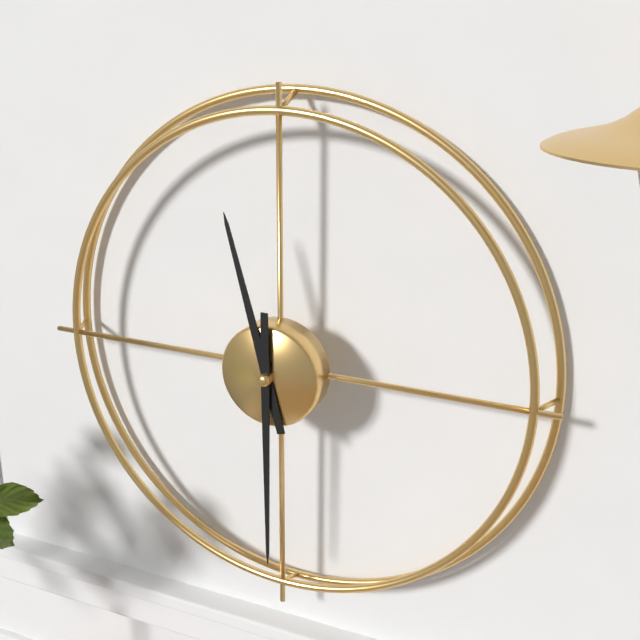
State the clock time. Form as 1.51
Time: 11.30
